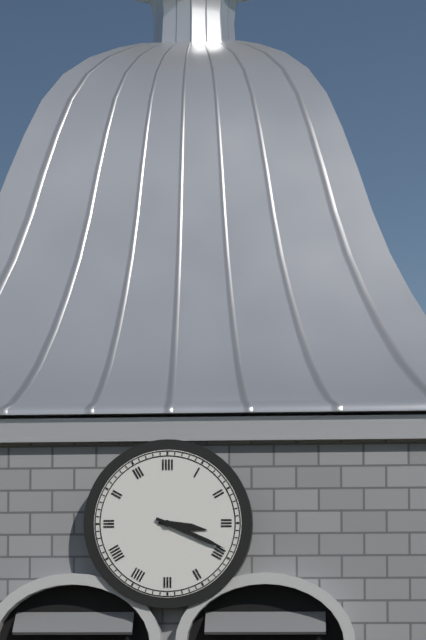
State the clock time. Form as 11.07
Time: 3.19
